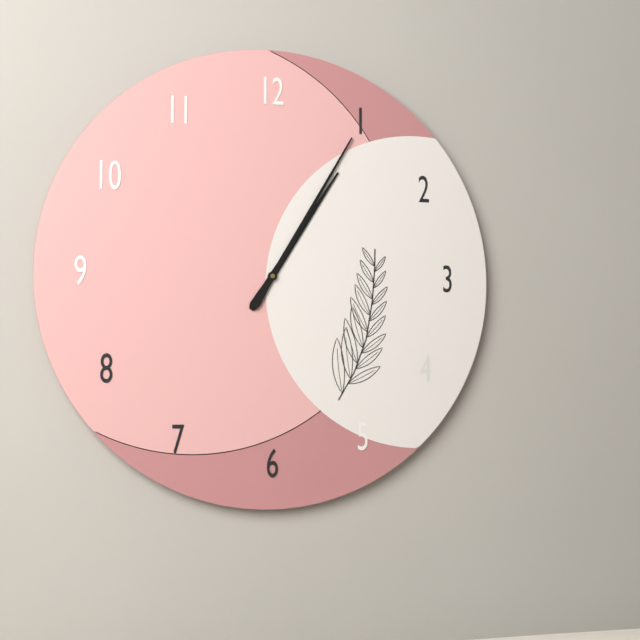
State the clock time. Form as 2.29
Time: 1.05
